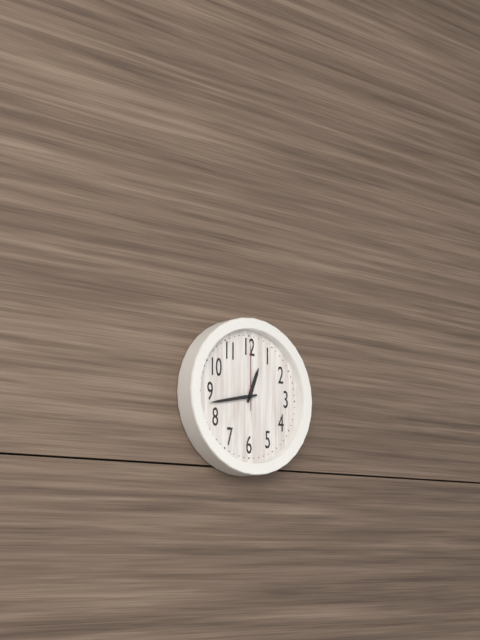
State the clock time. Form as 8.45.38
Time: 12.43.00
